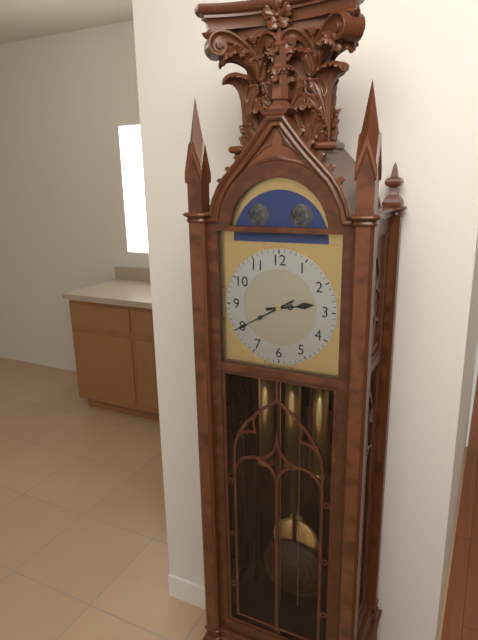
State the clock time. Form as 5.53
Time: 2.40
